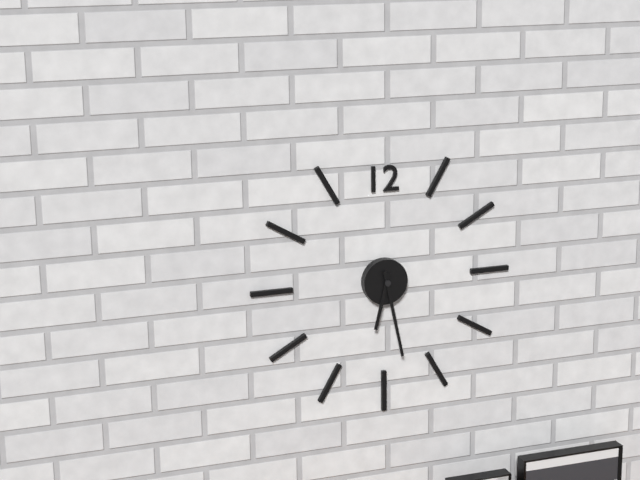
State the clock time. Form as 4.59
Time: 6.28
